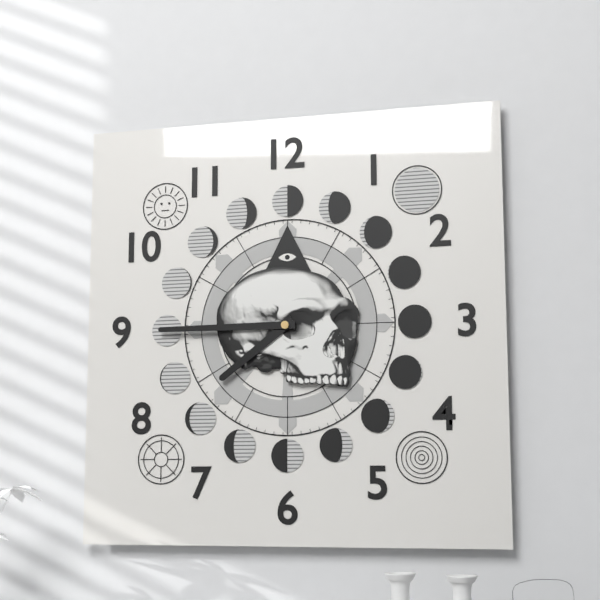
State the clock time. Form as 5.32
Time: 7.45
